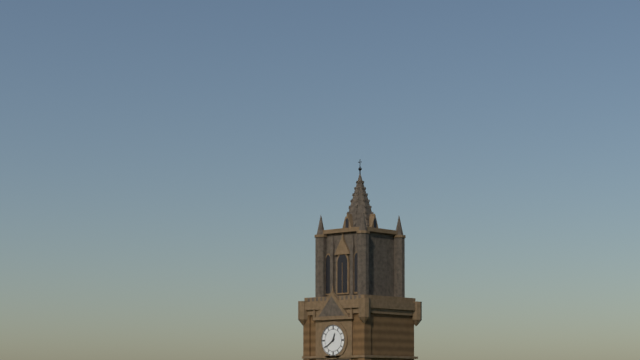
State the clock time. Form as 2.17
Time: 12.39
